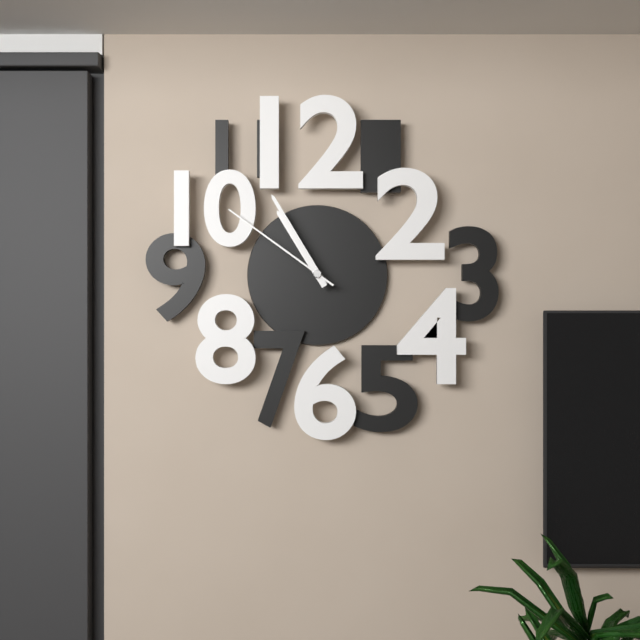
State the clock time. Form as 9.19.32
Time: 10.55.51
